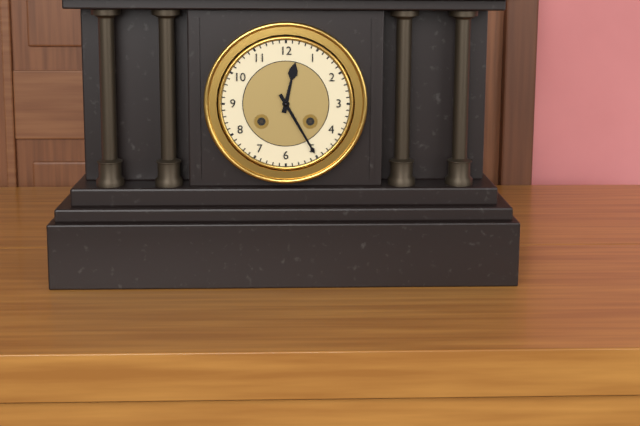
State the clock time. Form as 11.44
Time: 12.25
